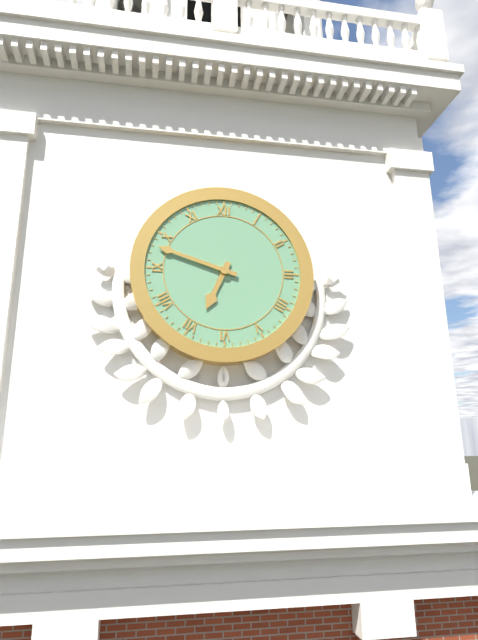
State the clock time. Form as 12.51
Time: 6.48
